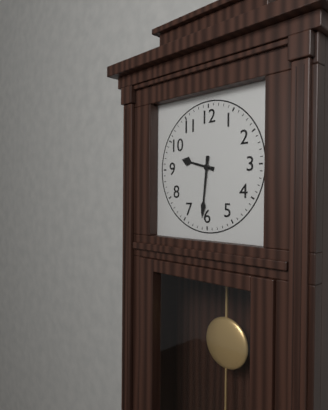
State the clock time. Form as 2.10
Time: 9.31
